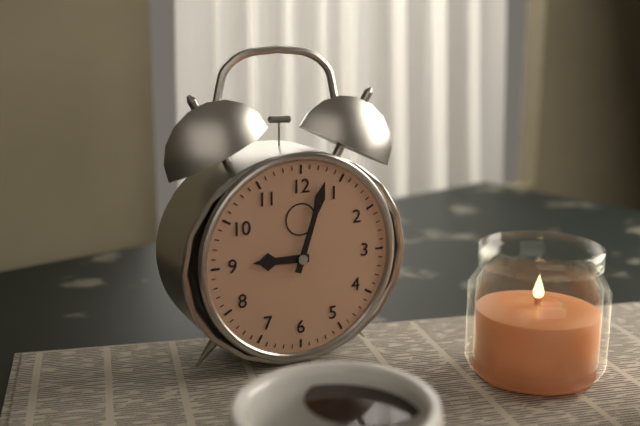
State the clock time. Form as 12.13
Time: 9.03
